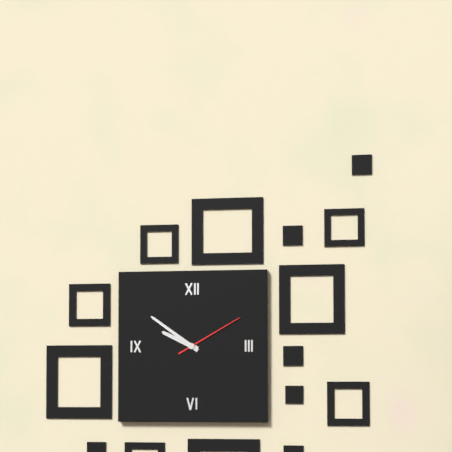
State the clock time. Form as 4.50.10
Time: 9.51.10
